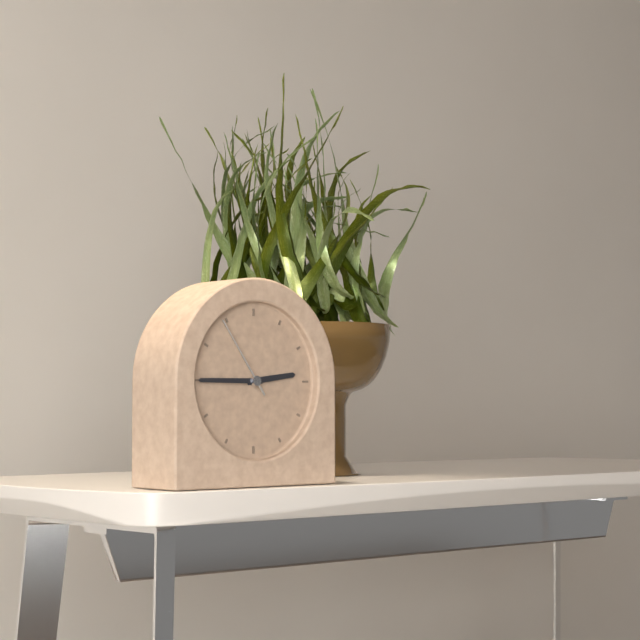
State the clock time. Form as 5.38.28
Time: 2.45.54
